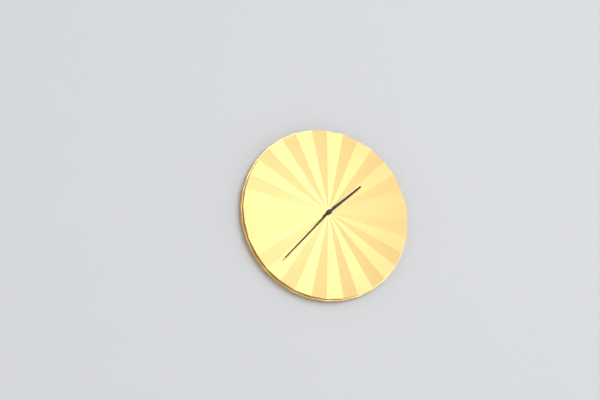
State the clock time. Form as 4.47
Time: 1.37
